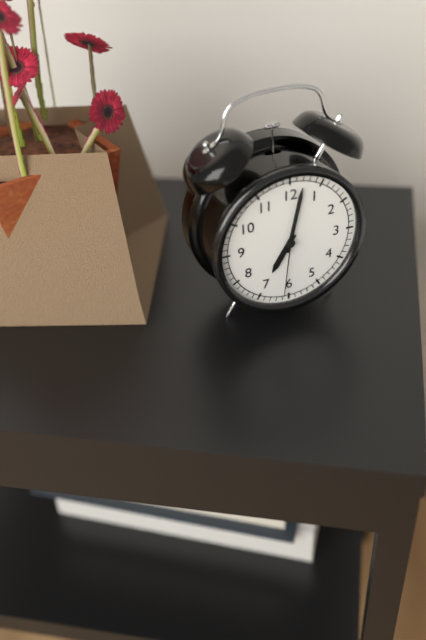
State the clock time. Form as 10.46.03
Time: 7.02.31
